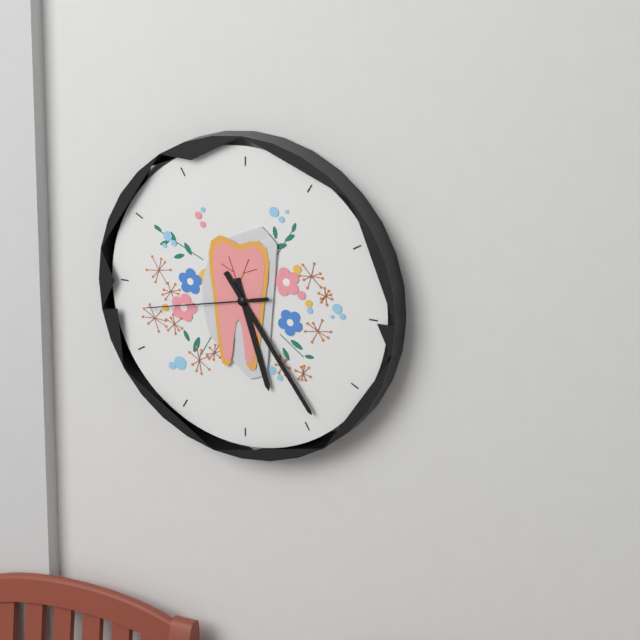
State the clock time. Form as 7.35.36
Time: 5.24.43
